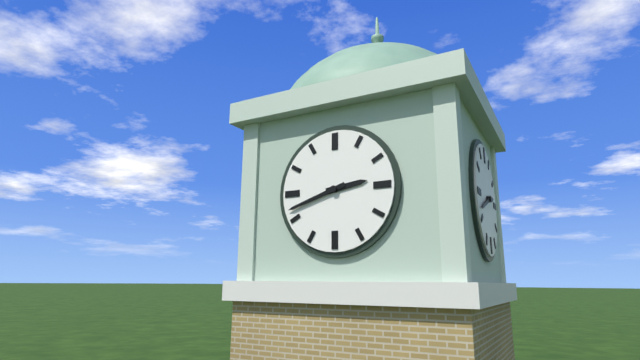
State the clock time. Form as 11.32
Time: 2.42
